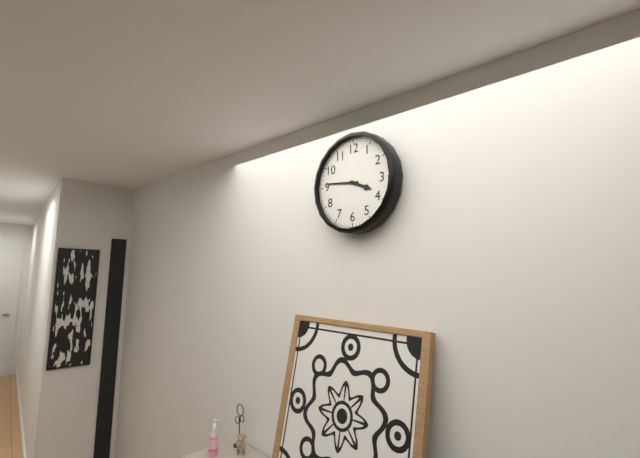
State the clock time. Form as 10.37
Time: 3.46
